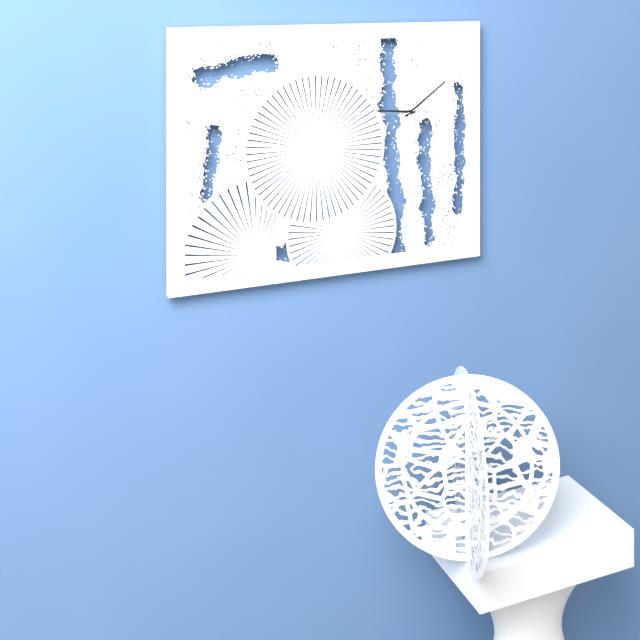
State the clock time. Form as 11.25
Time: 9.09
